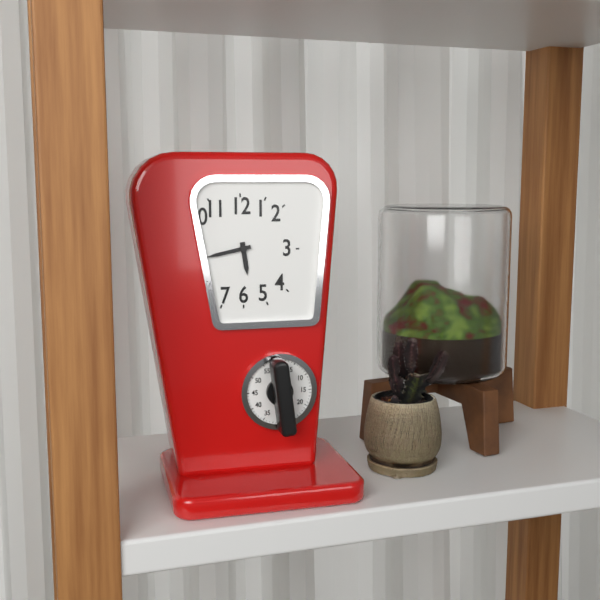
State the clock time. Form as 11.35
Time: 5.43
